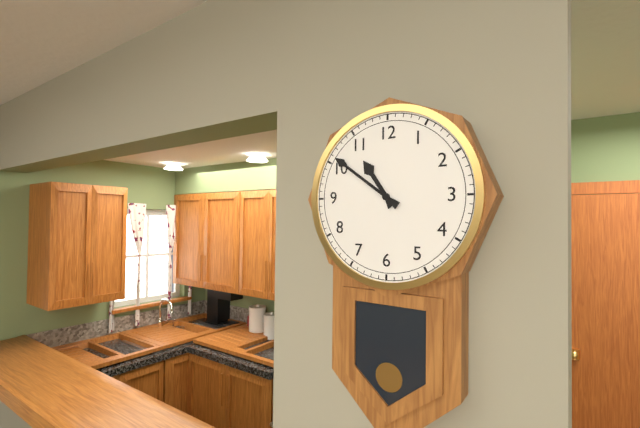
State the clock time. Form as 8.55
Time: 10.51
